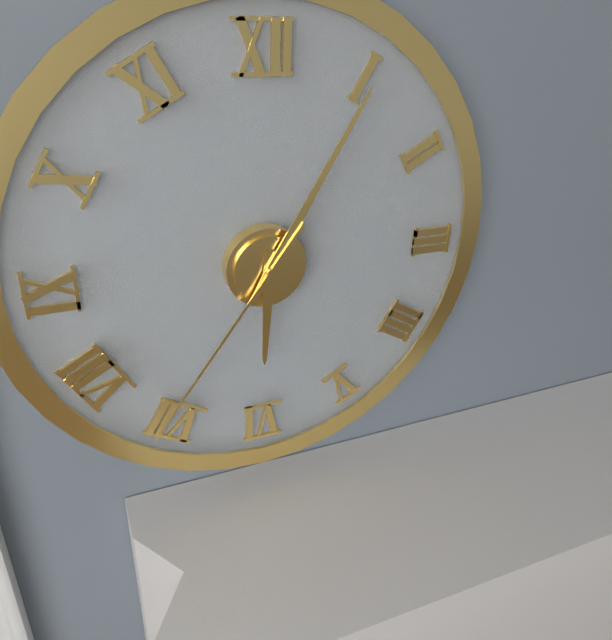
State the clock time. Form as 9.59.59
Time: 6.05.36
